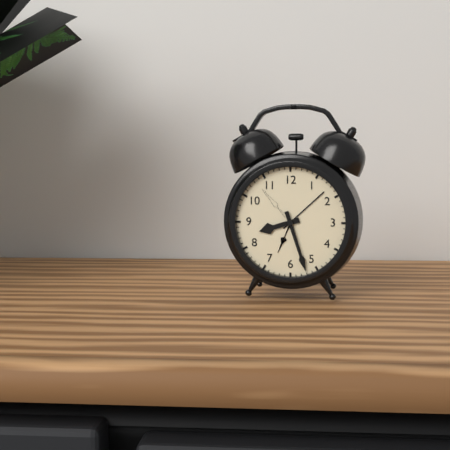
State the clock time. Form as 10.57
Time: 8.27
